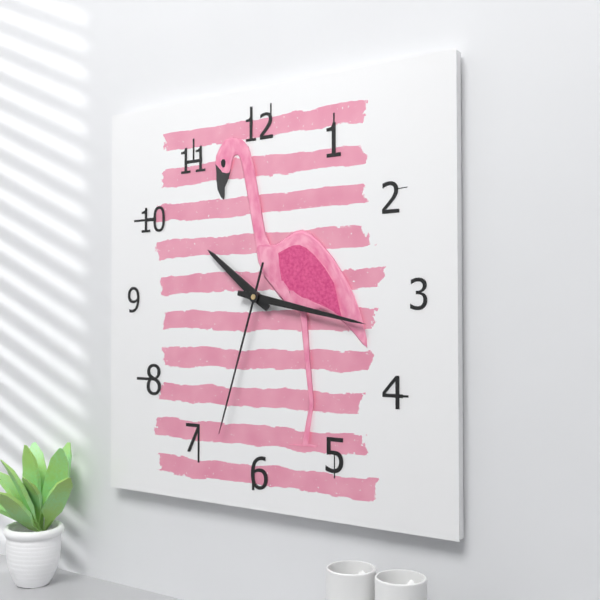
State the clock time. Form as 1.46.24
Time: 10.17.33
